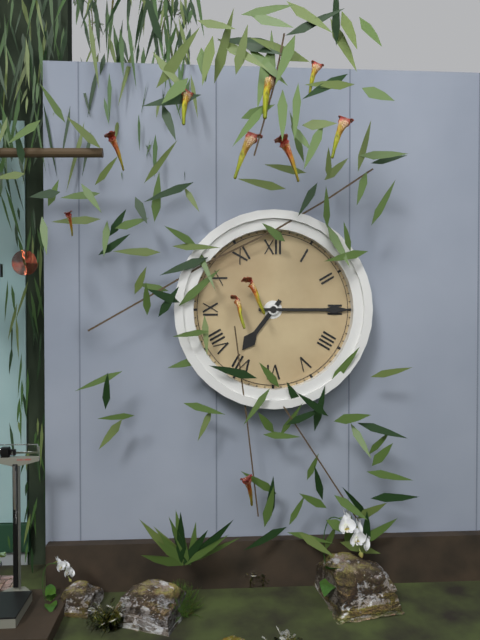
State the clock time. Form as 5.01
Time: 7.15
